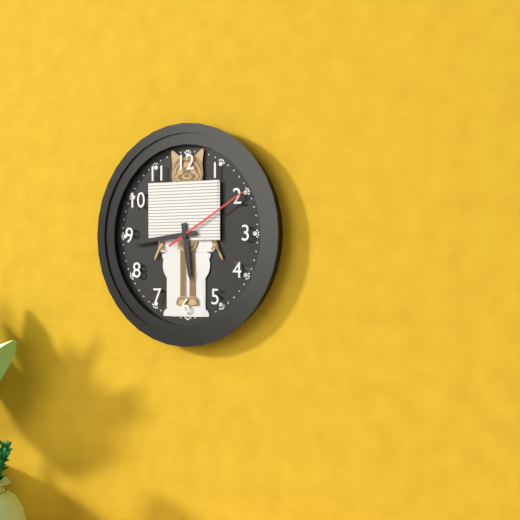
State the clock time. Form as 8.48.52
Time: 5.44.10
